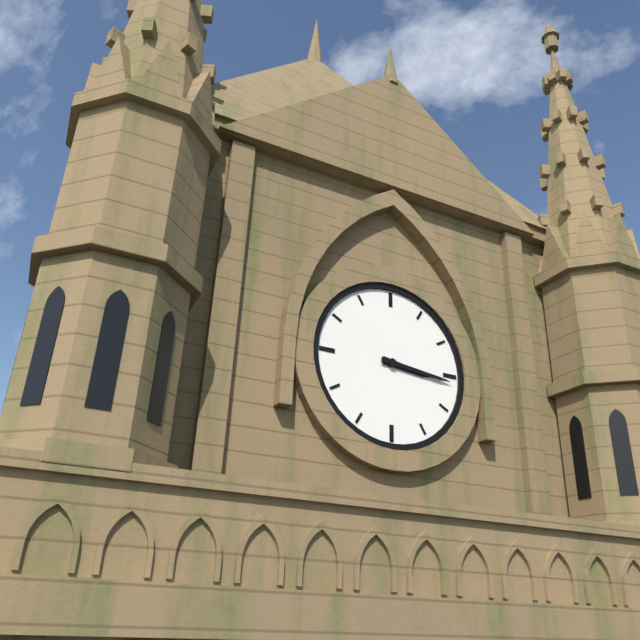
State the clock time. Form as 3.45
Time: 3.16
